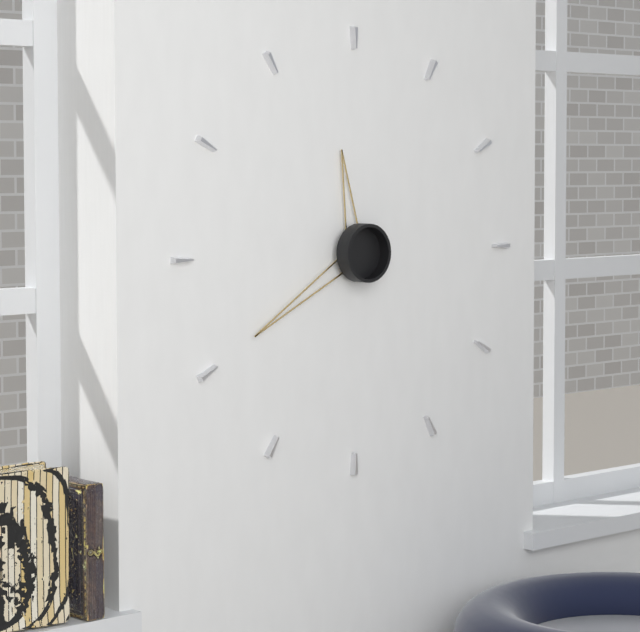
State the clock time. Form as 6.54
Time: 11.40
